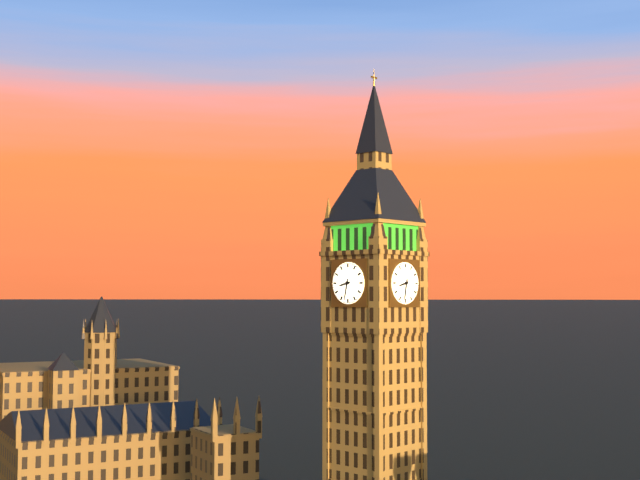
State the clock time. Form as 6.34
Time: 8.32
